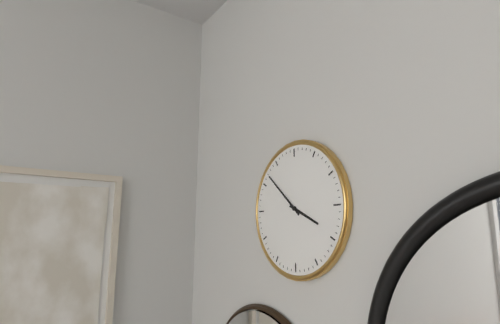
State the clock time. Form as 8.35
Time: 3.52
